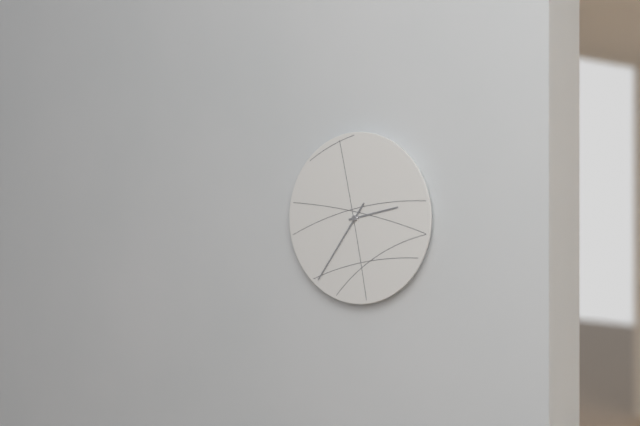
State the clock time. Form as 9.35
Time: 2.36
